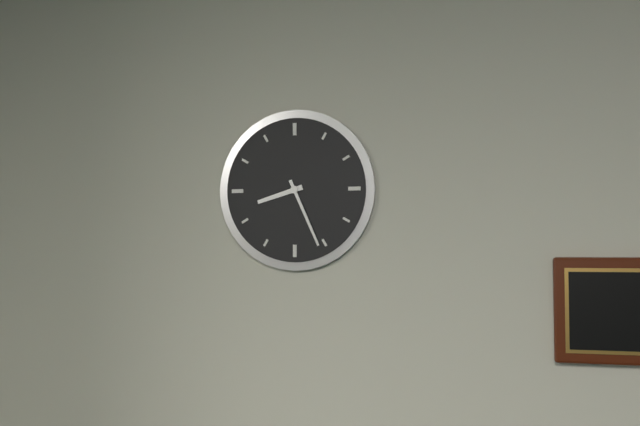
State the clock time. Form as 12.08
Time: 8.26
